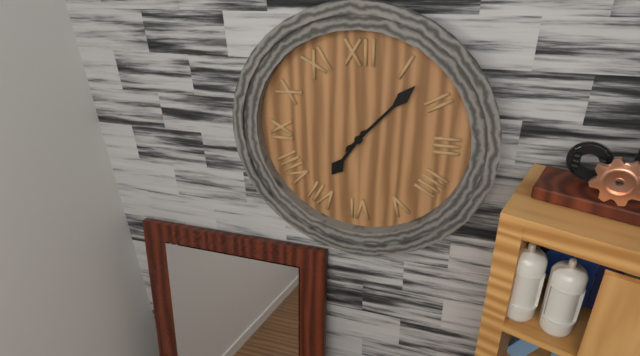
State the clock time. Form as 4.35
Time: 7.07
